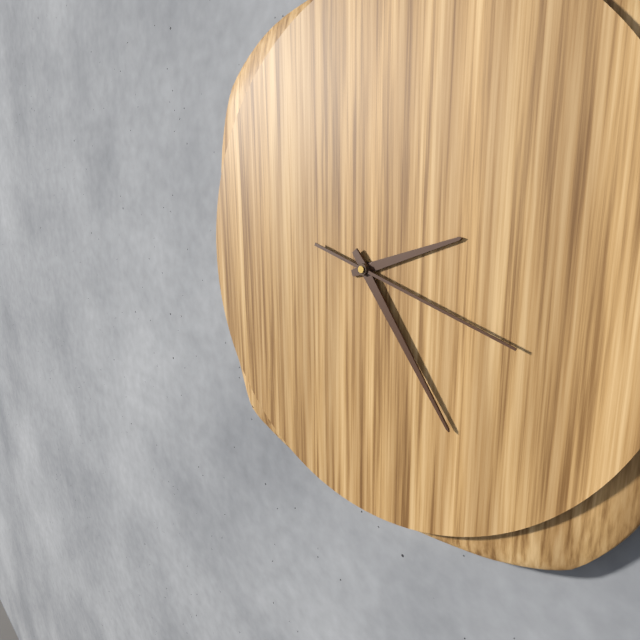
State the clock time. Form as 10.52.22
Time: 2.24.18
